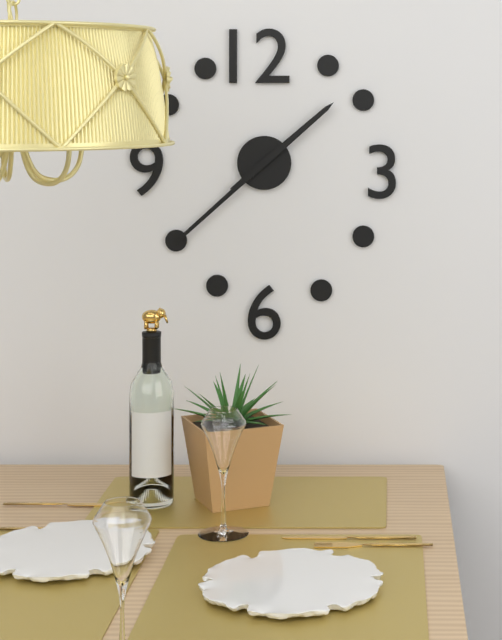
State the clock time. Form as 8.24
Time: 1.38
